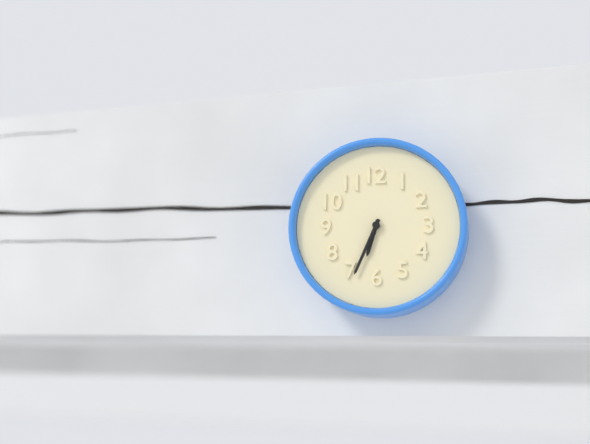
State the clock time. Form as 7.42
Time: 6.34
